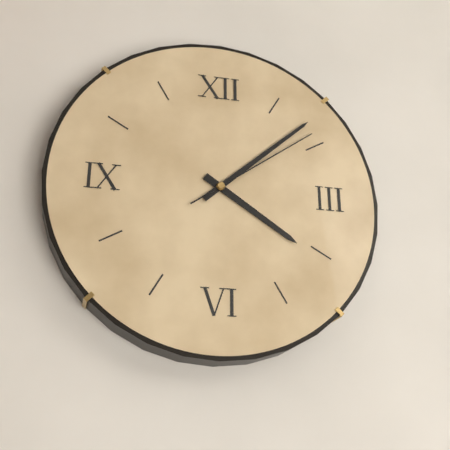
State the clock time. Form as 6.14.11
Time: 4.08.09
